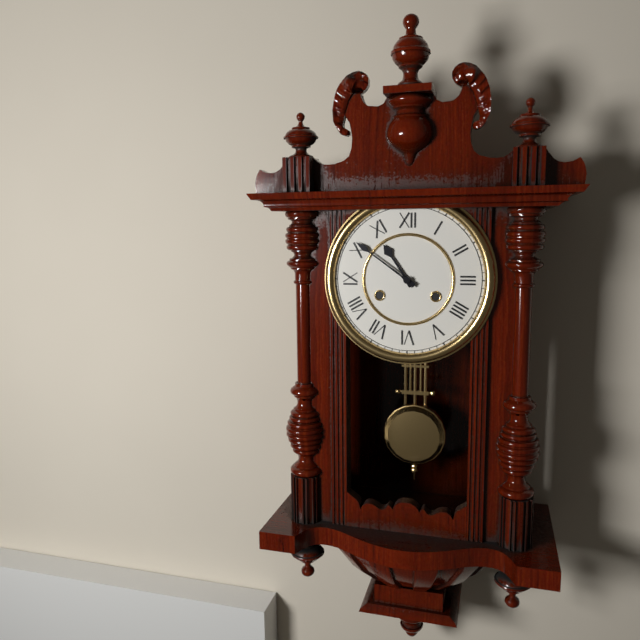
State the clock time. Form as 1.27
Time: 10.51
